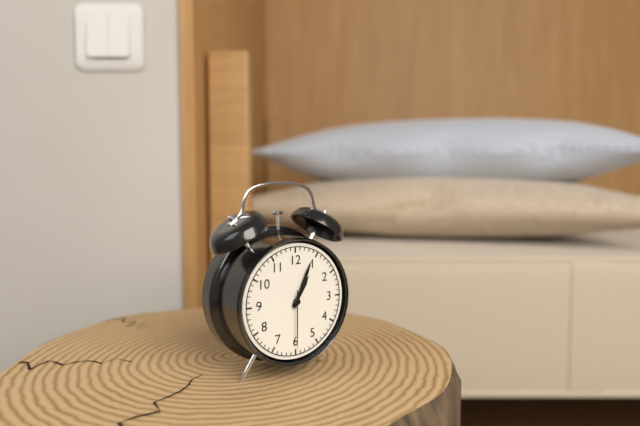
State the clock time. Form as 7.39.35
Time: 1.04.30
